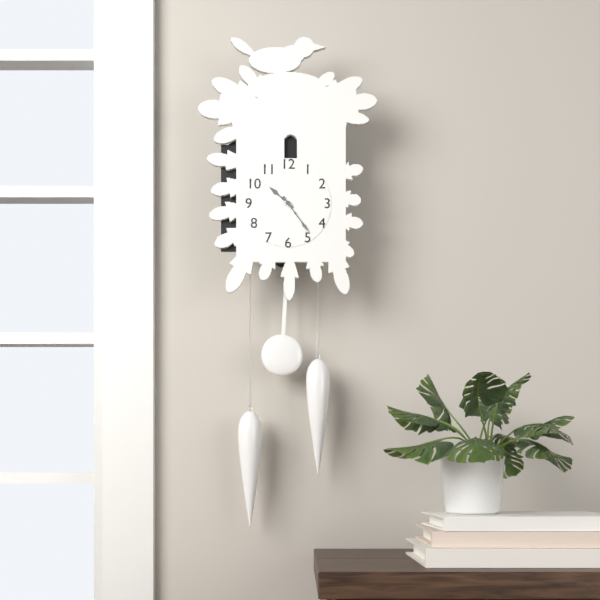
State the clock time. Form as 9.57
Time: 10.24
